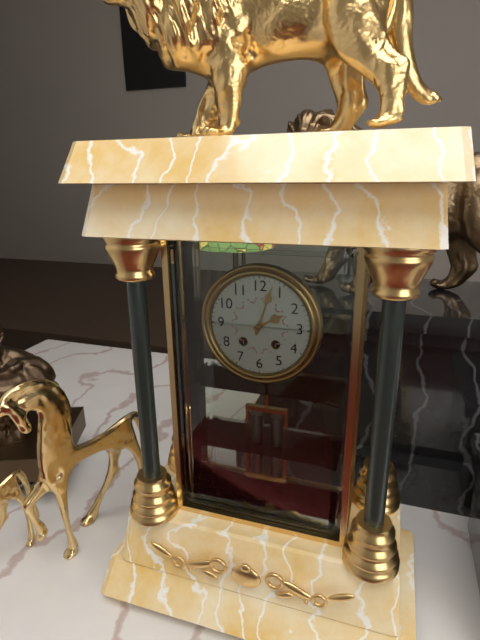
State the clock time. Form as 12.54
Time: 2.03
